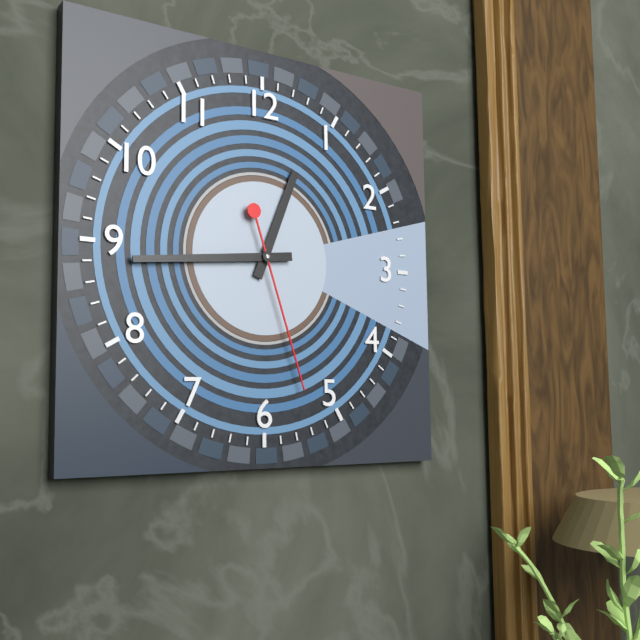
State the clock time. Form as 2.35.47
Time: 12.44.27
